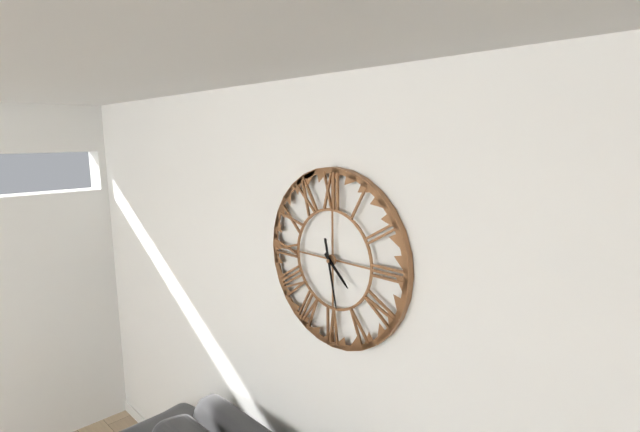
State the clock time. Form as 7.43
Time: 4.28
